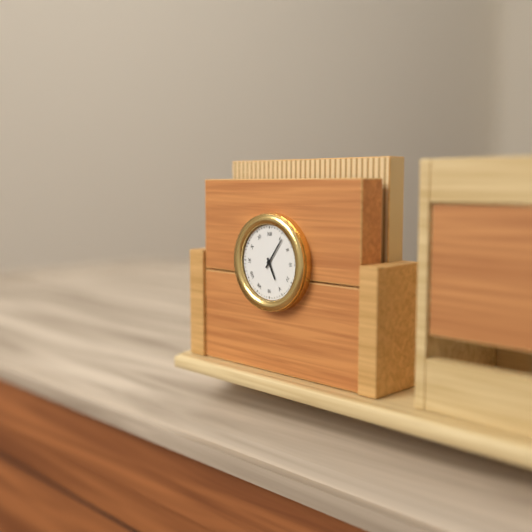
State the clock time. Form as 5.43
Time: 5.06
